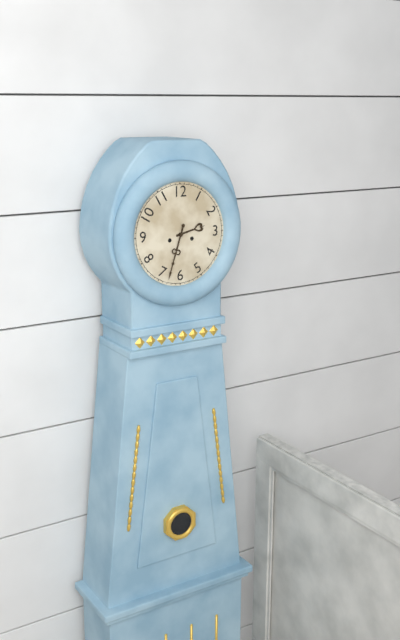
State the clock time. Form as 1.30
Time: 2.33
